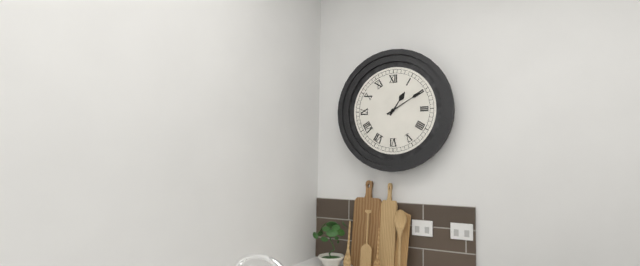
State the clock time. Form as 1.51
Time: 1.10
